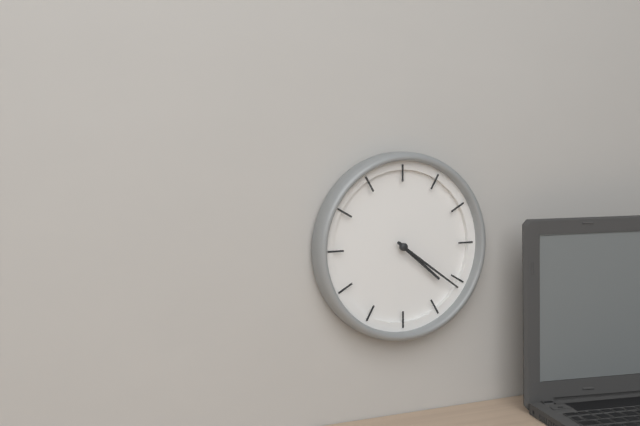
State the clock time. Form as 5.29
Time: 4.21
